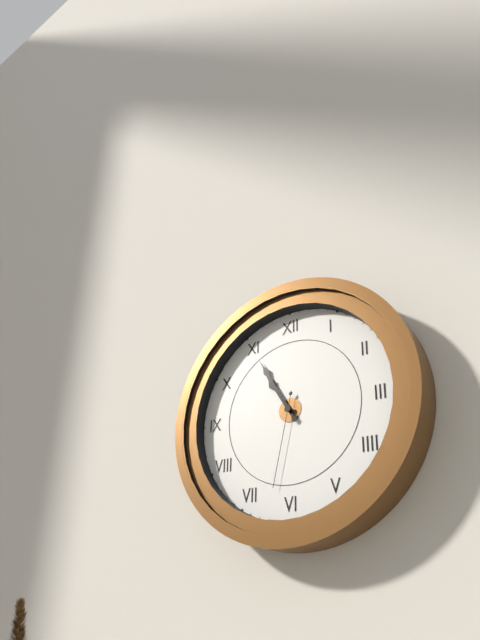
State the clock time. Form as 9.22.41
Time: 10.55.32
